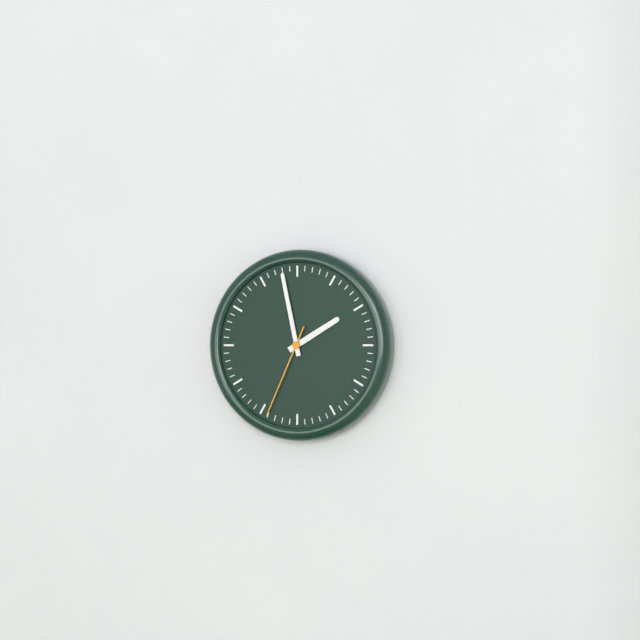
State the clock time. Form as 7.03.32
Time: 1.58.34
